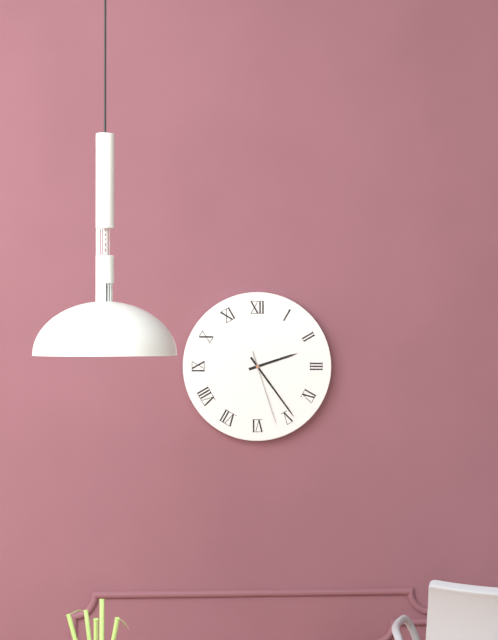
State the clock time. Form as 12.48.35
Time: 2.24.27
